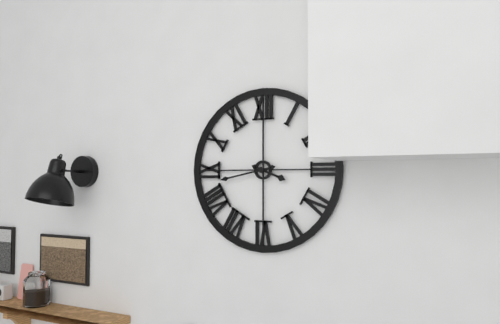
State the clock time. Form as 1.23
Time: 3.43
